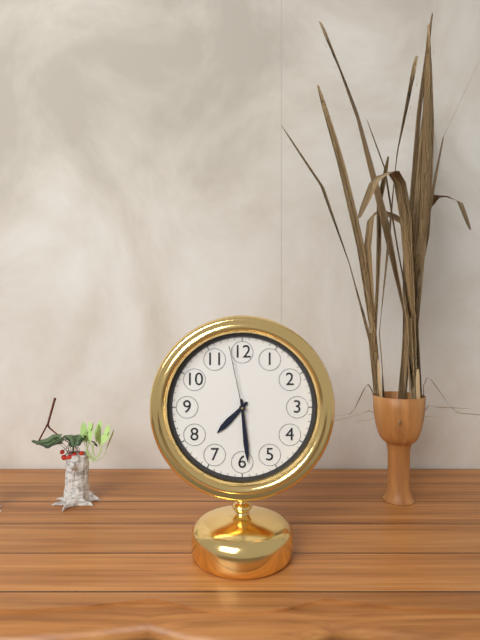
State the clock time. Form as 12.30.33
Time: 7.29.58
